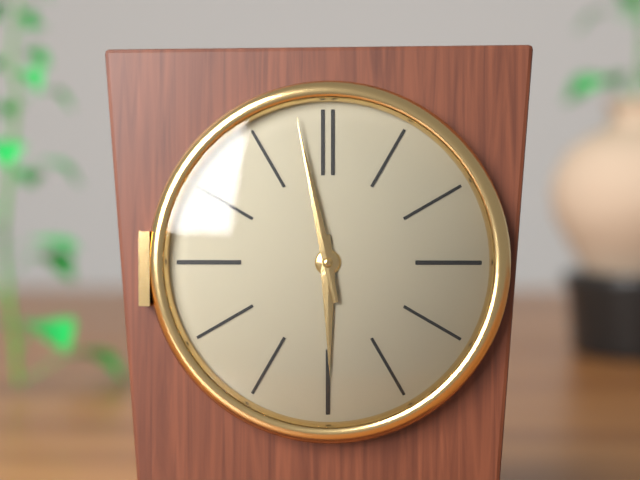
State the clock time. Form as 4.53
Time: 5.58
